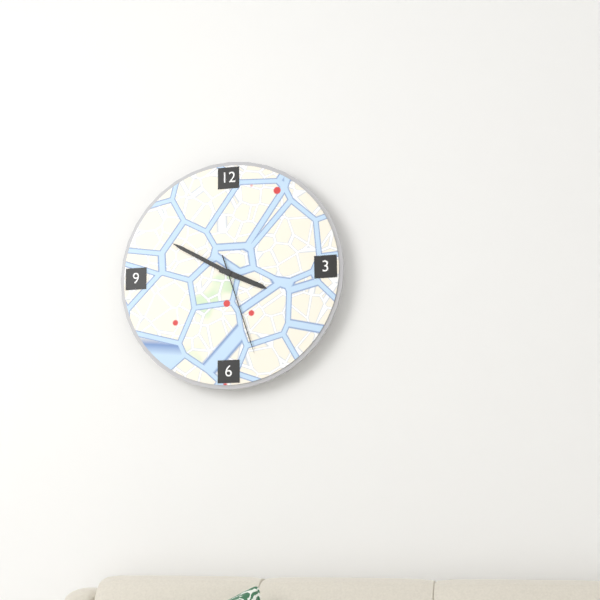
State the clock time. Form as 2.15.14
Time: 3.50.27
